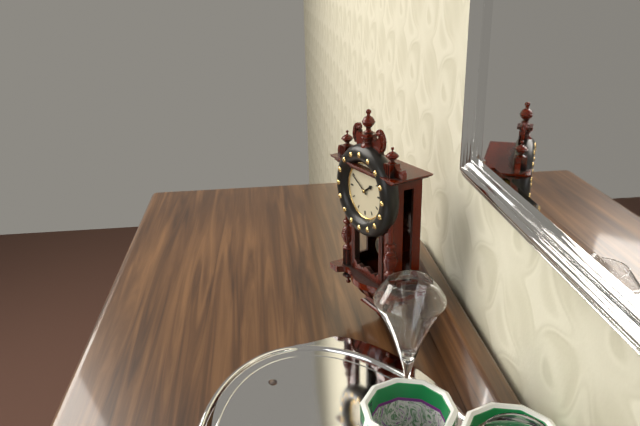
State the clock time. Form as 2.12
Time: 1.50
